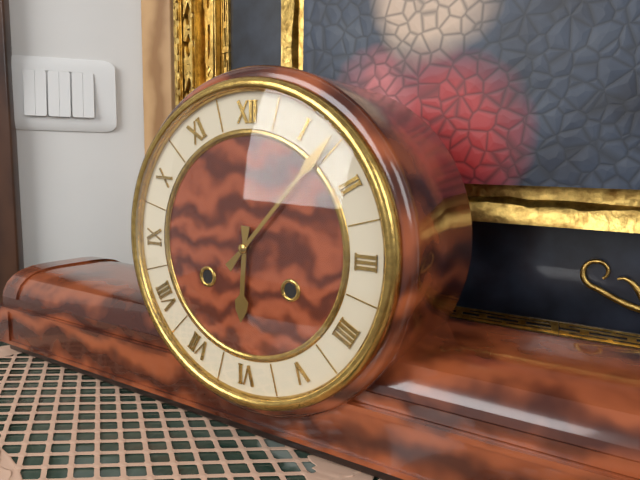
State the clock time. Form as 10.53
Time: 6.07
